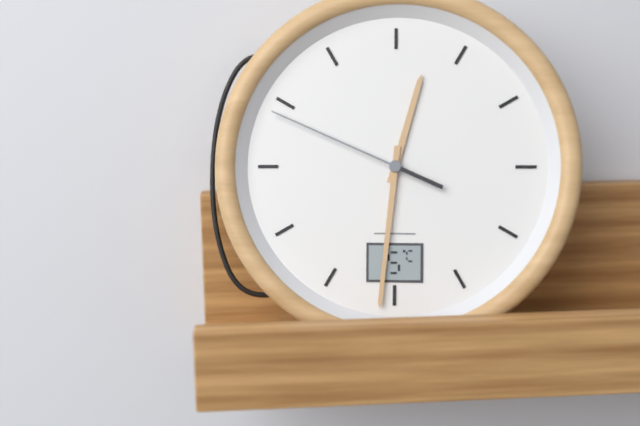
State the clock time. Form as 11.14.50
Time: 12.31.49
